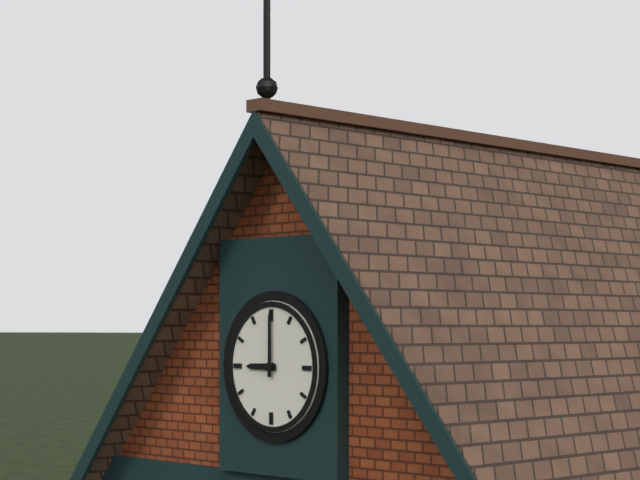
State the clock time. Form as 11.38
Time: 9.00
